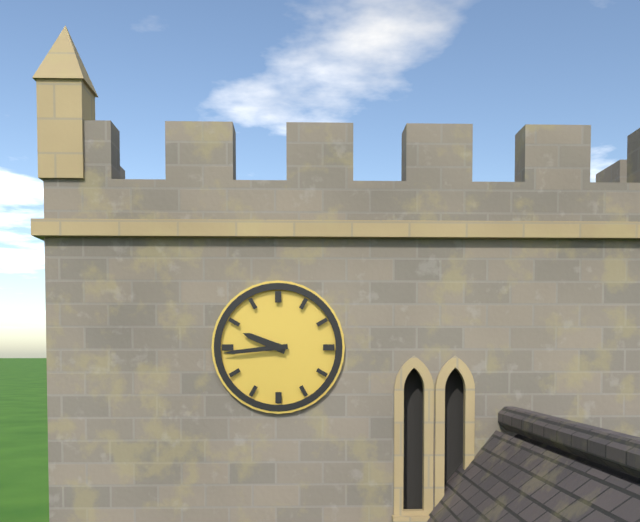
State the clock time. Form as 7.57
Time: 9.44
